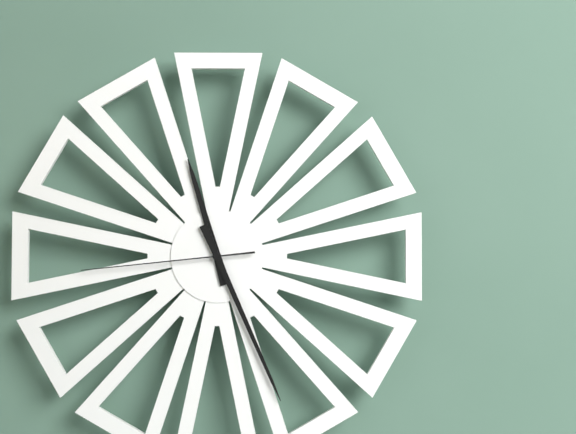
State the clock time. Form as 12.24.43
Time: 11.26.44
